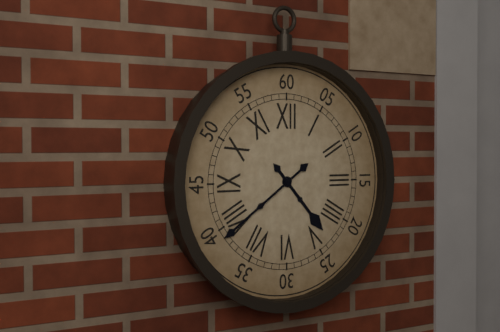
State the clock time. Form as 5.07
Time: 4.39
